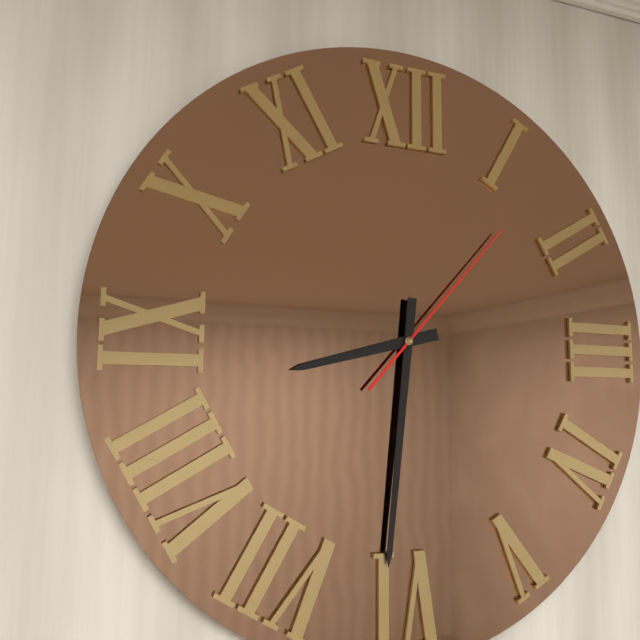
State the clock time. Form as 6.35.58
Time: 8.31.07
